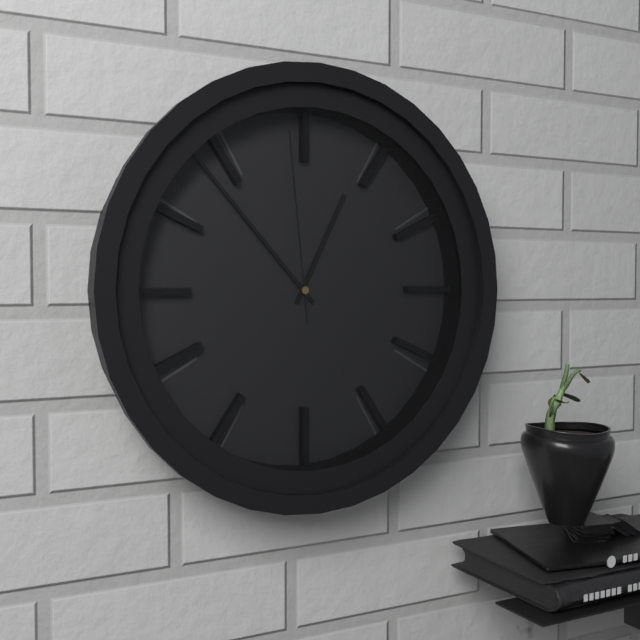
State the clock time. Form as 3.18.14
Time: 12.53.59
